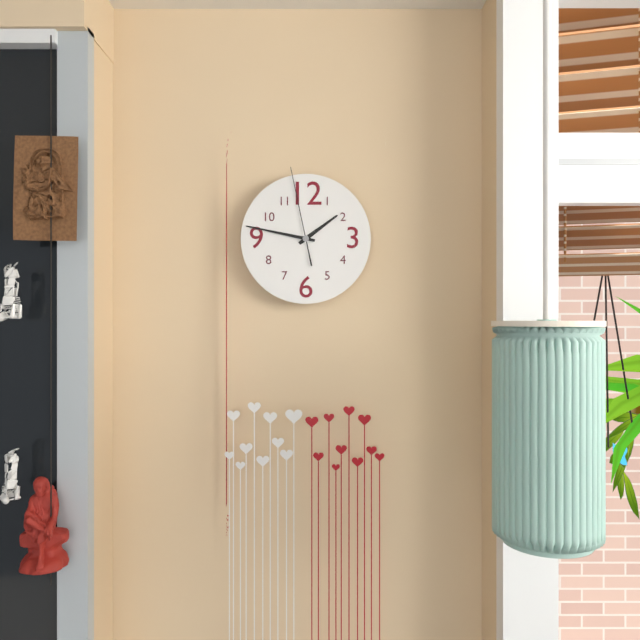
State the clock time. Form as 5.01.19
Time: 1.47.58
